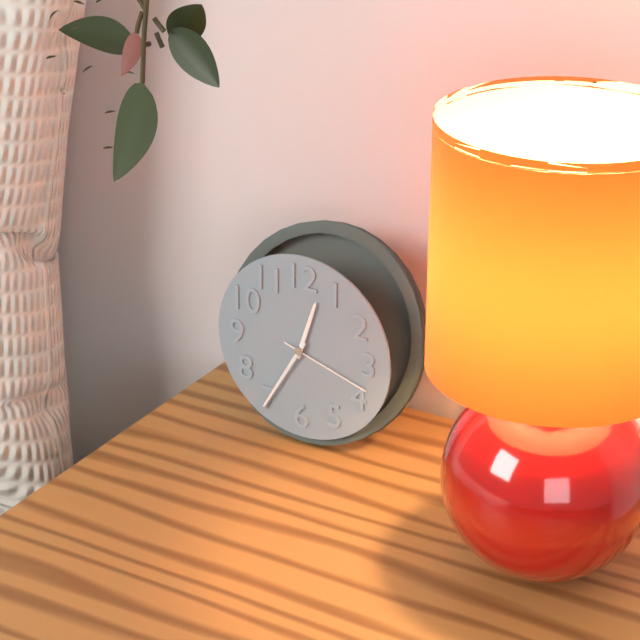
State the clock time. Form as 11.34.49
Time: 12.35.18
